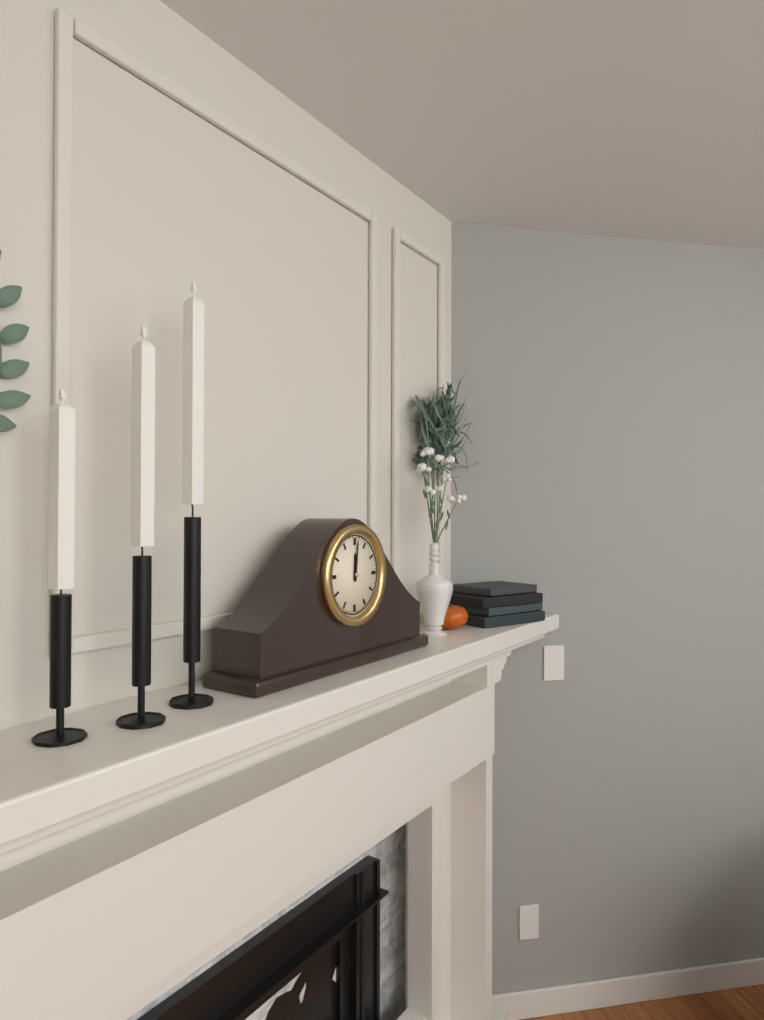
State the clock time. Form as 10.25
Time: 12.01
